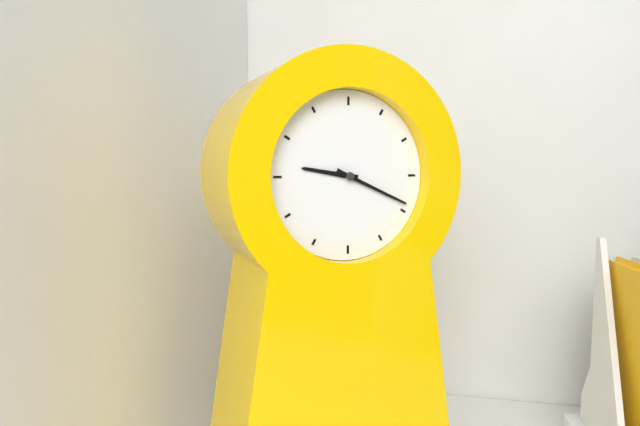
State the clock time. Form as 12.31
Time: 9.19
